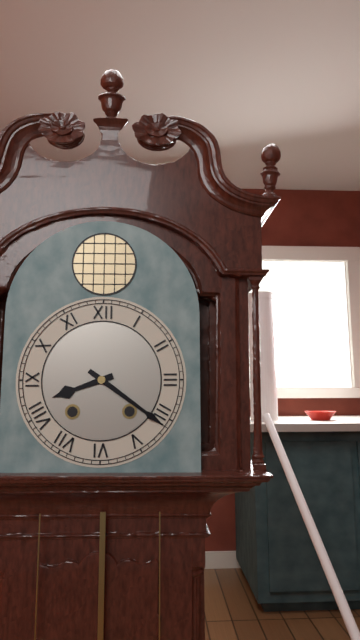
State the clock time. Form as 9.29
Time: 8.21
